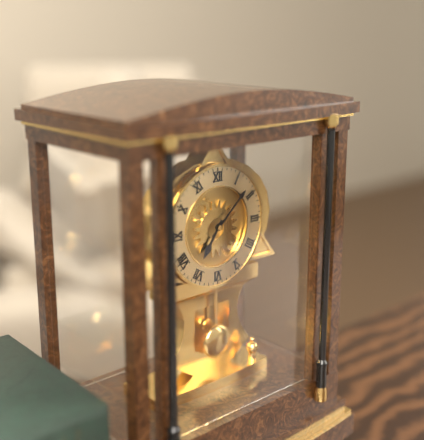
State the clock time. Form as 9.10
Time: 7.08
